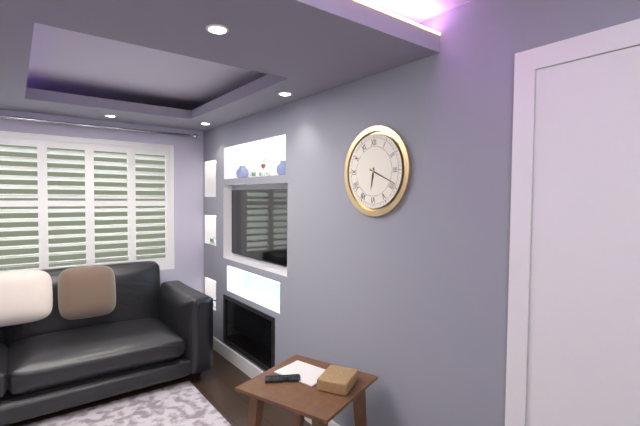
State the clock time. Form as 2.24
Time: 6.19
